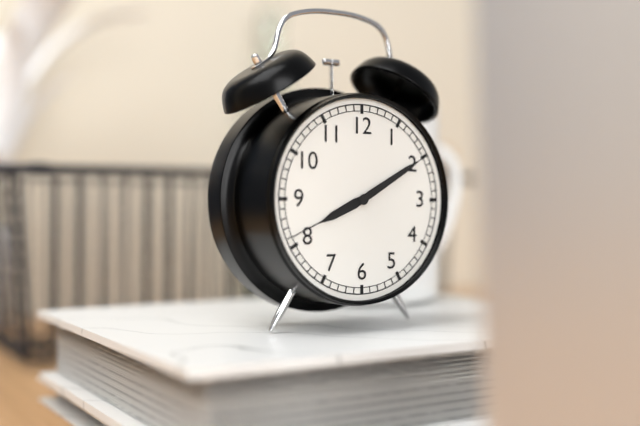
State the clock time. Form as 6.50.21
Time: 8.10.41
